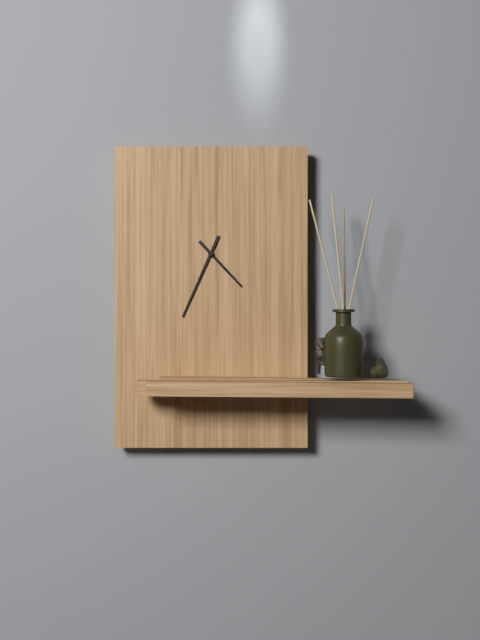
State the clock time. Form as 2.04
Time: 4.34
